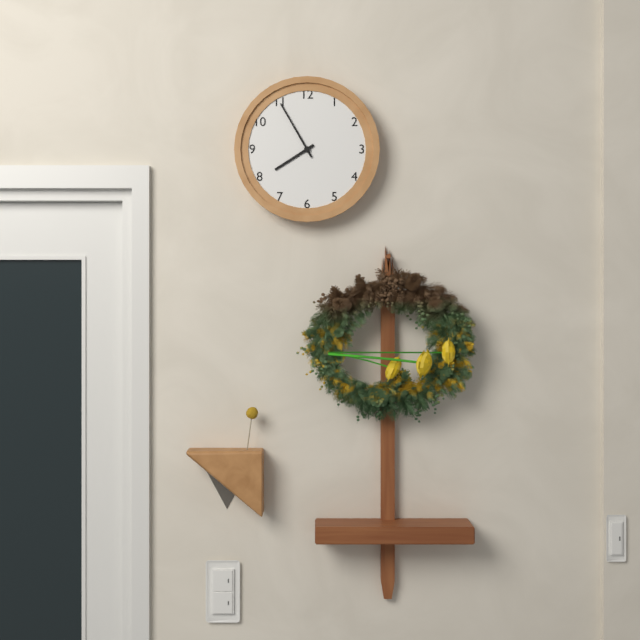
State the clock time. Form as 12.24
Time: 7.55
